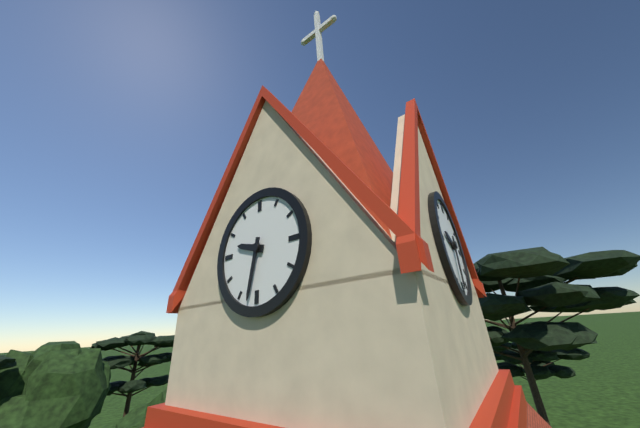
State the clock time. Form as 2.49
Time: 9.32
